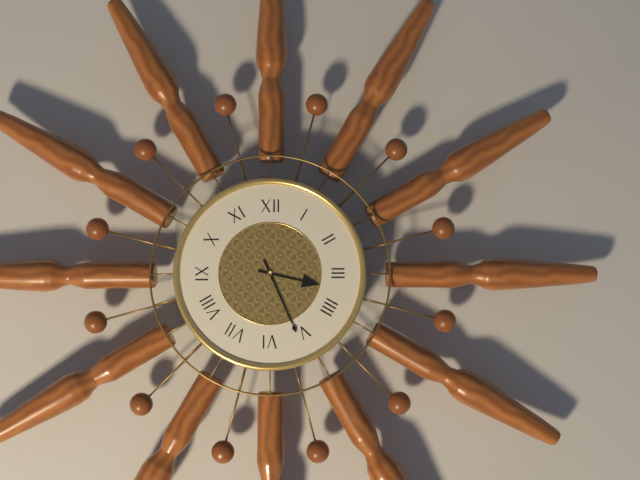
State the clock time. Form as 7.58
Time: 3.26
